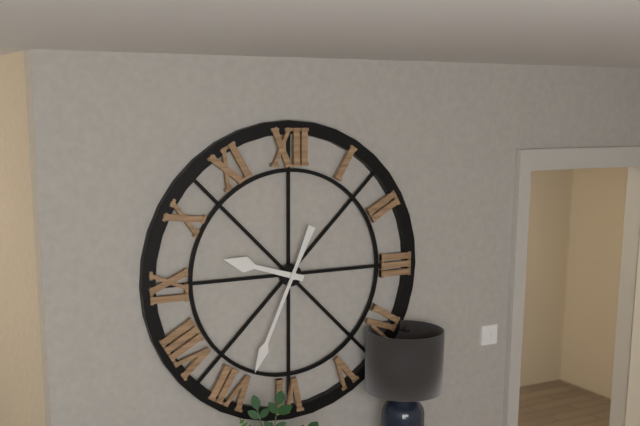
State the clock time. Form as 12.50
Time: 9.34
